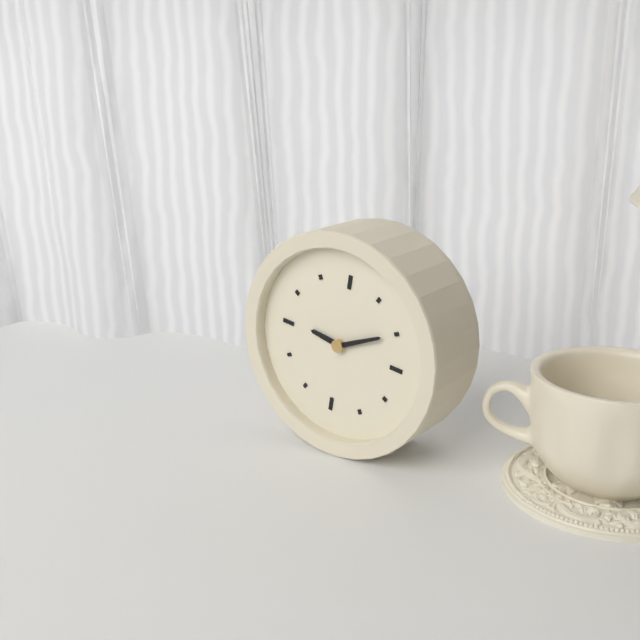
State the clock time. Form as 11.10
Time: 9.10
